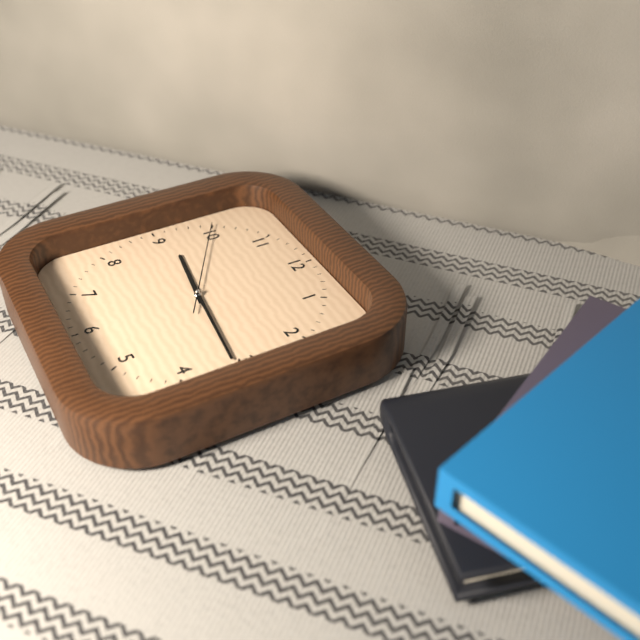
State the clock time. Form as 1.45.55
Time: 9.16.50
